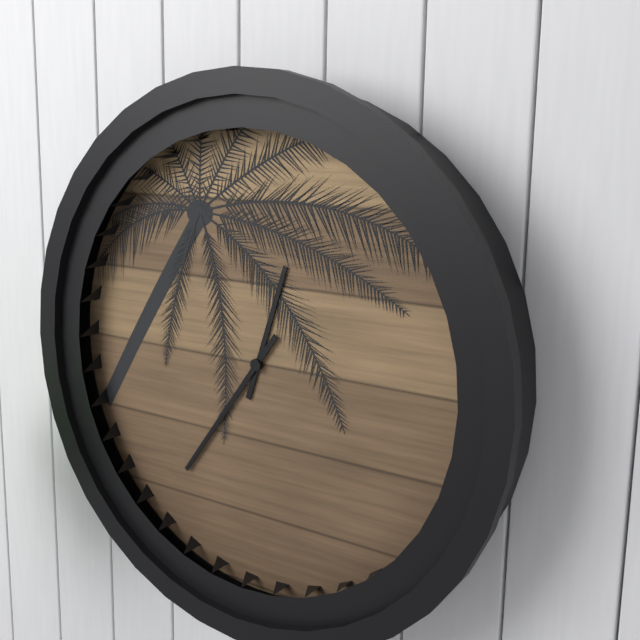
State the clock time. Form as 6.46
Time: 12.36
